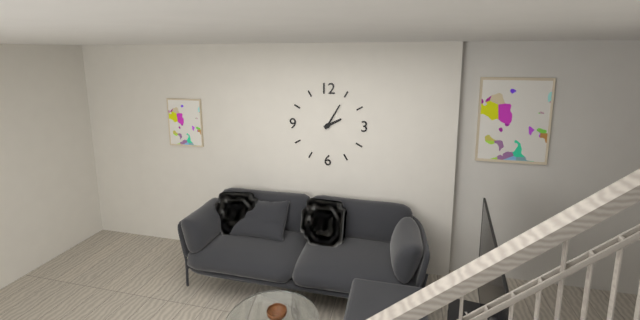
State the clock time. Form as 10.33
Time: 2.05
